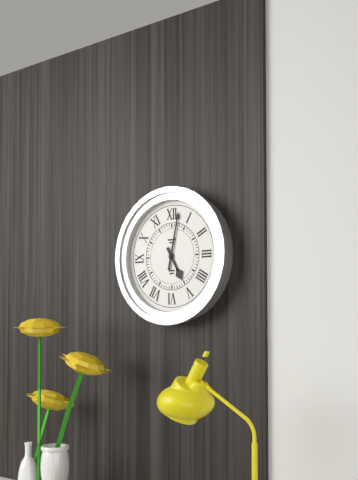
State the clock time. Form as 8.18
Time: 5.02
